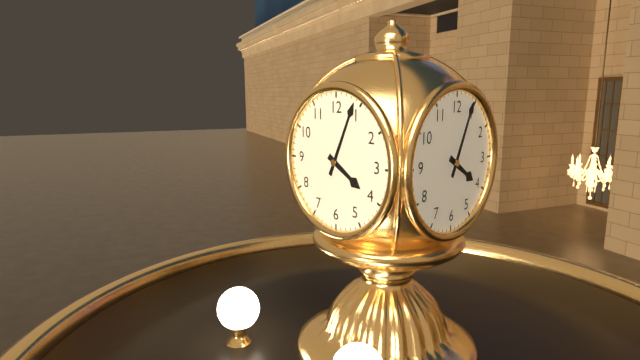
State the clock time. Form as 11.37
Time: 4.04
